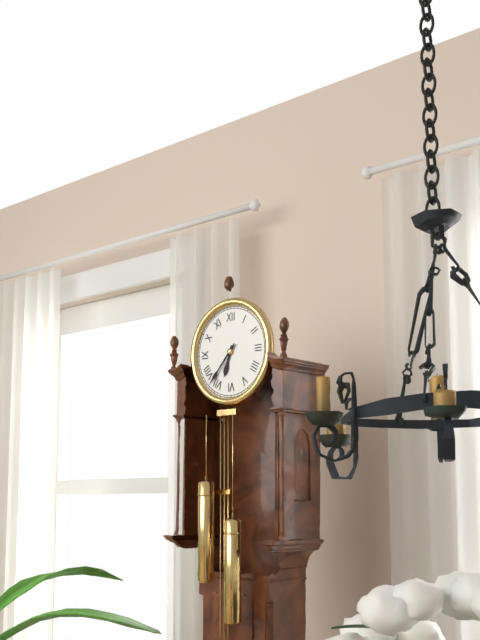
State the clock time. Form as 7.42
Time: 6.37
